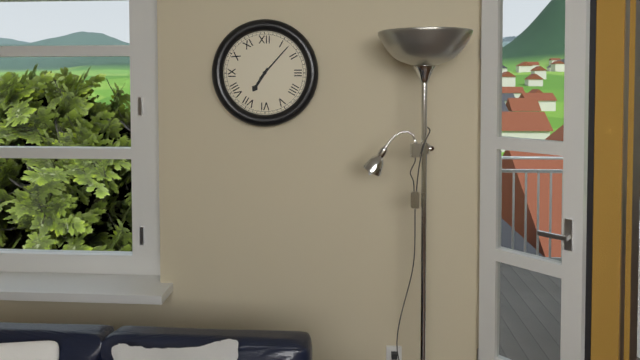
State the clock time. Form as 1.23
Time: 7.07
